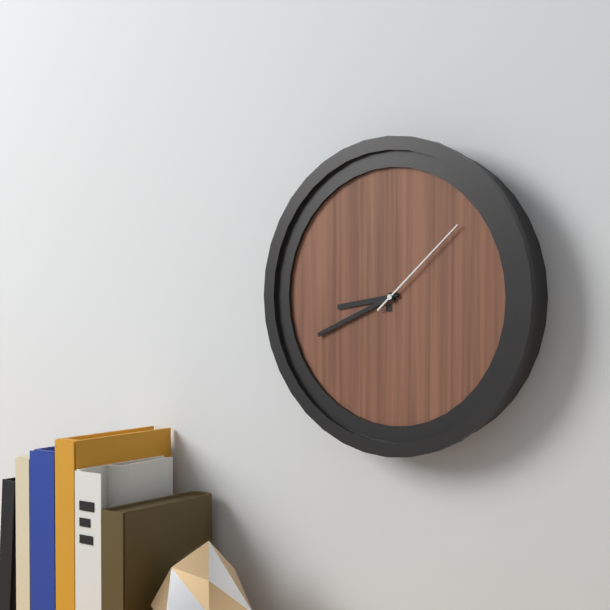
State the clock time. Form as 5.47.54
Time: 8.41.08
